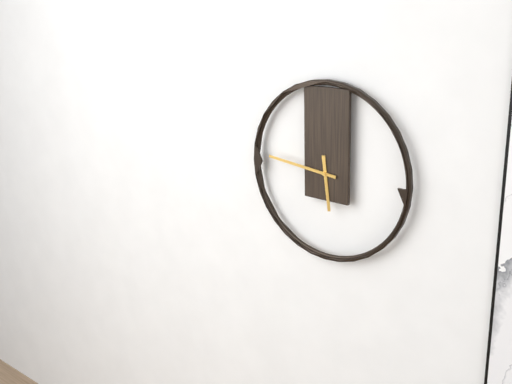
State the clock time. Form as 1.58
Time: 5.46
